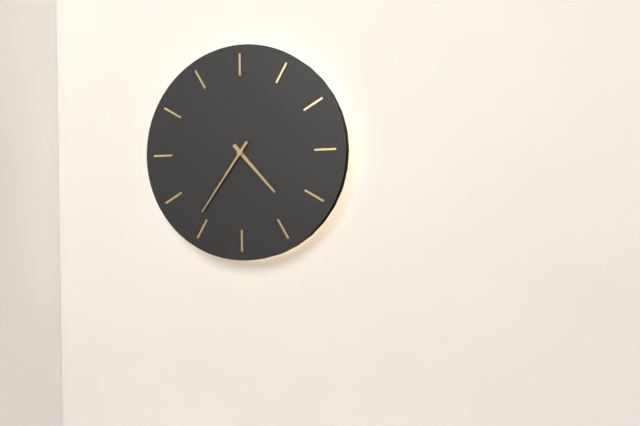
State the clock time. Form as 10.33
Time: 4.36
